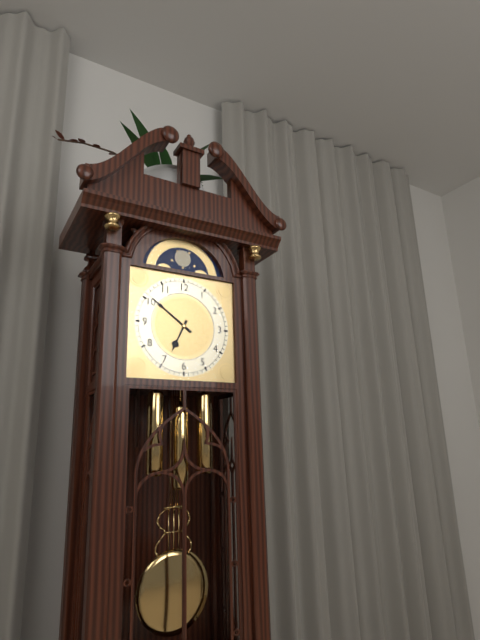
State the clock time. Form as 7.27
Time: 6.51
